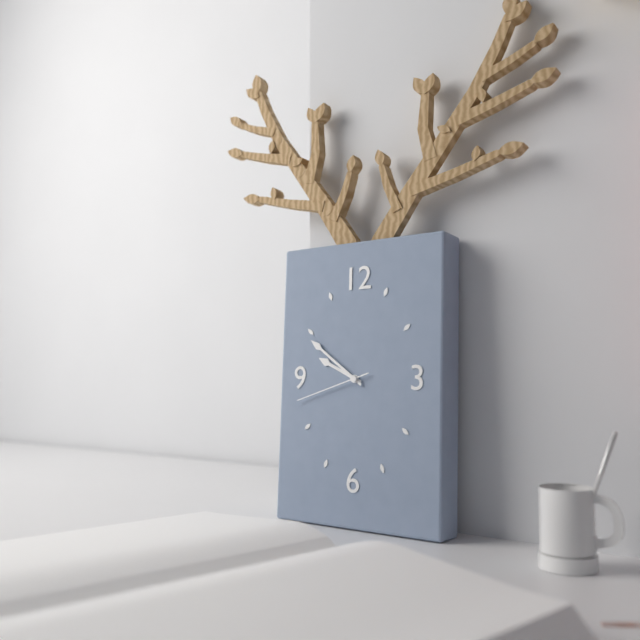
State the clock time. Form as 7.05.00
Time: 9.51.42
